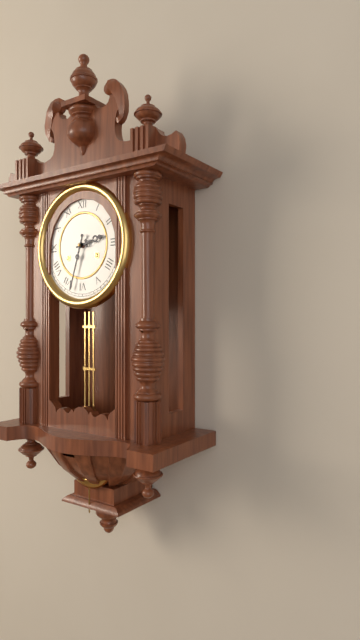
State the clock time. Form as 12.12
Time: 2.33
